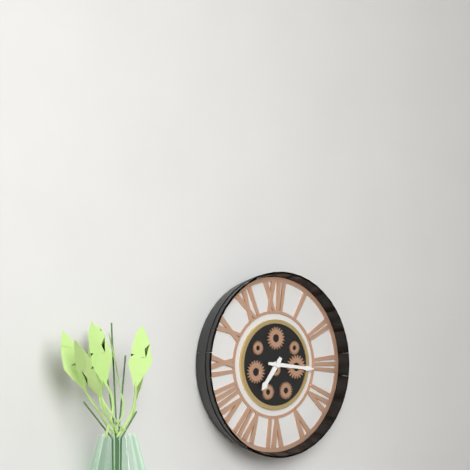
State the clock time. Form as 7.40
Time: 7.16
